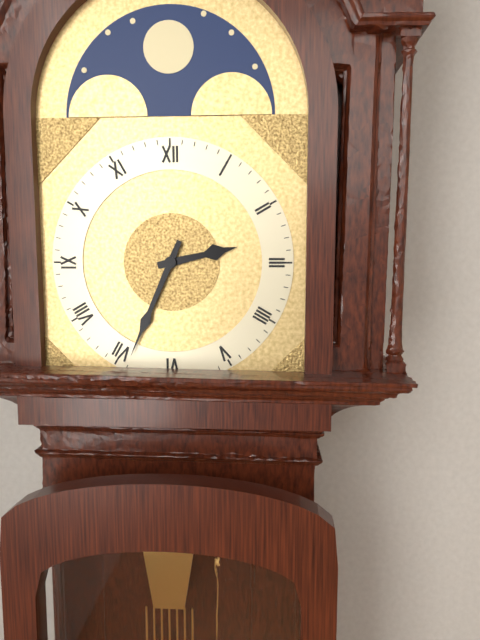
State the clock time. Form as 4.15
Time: 2.34
